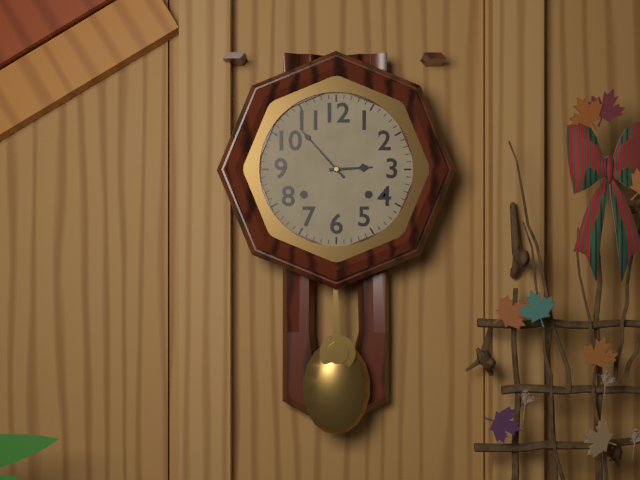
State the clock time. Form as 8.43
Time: 2.53
